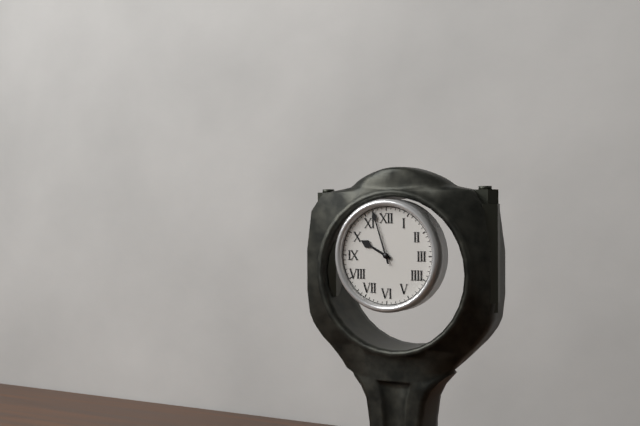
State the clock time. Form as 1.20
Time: 9.57
